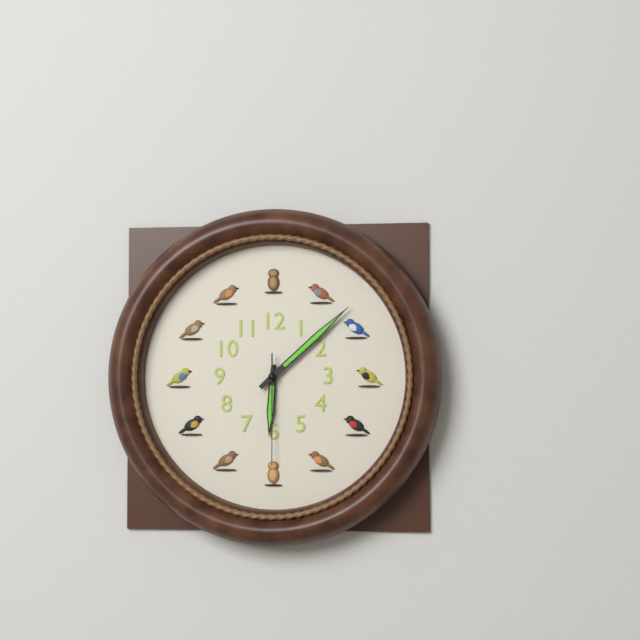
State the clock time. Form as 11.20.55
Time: 6.08.30
